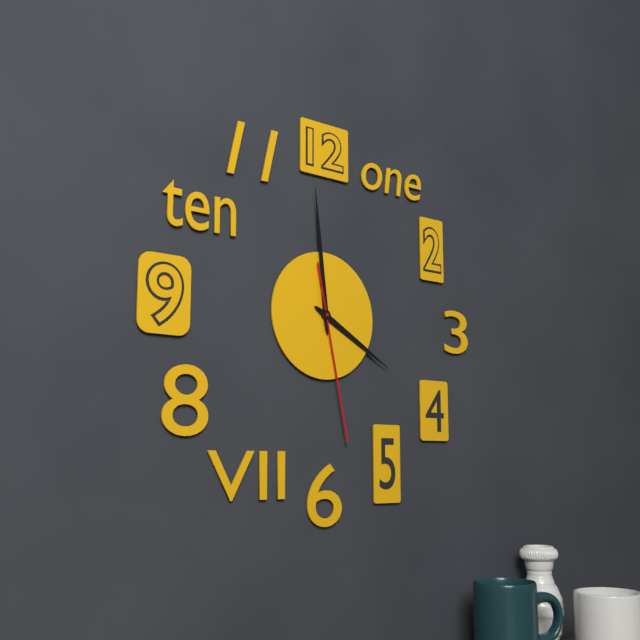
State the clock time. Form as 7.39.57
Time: 3.59.28
